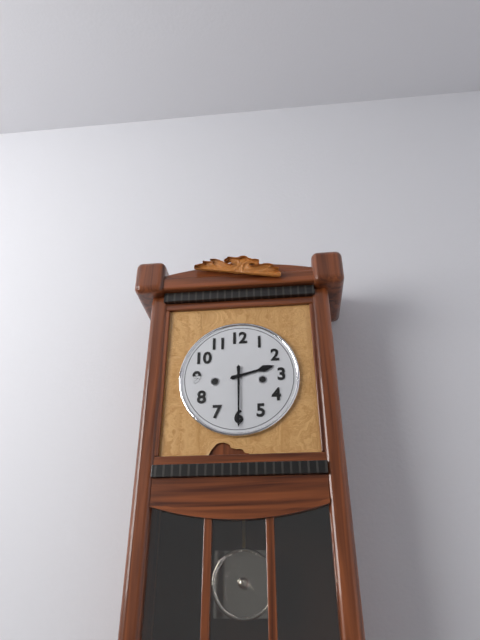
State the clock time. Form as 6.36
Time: 2.30
